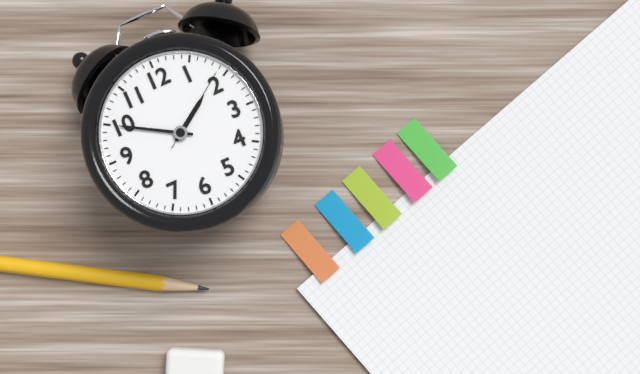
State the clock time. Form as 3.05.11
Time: 1.50.09
